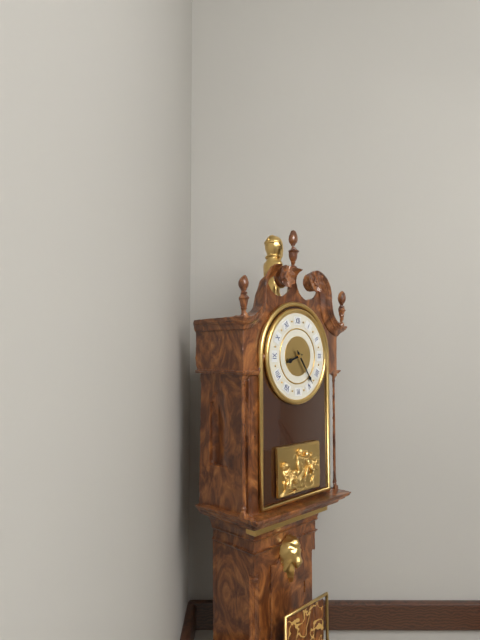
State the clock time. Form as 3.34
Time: 8.24
